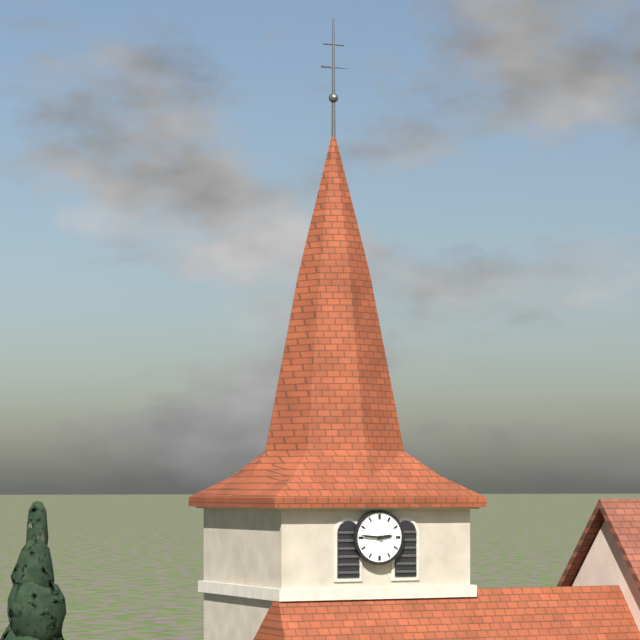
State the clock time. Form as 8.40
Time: 2.46
